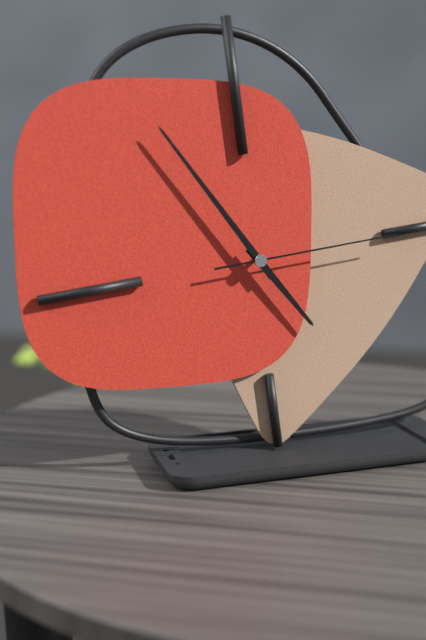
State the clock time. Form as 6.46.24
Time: 4.55.15
